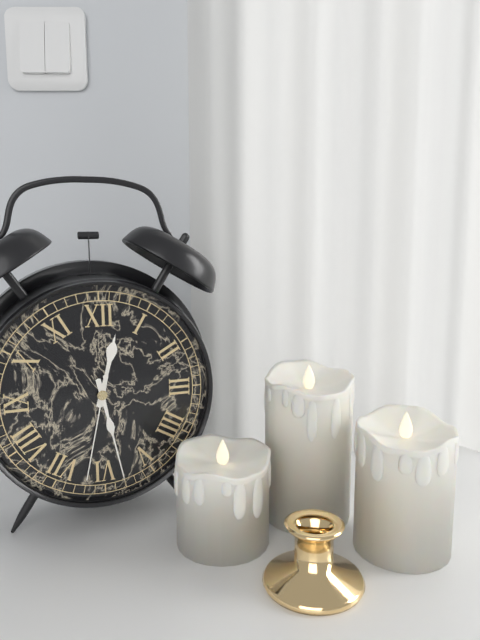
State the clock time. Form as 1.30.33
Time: 12.28.32
